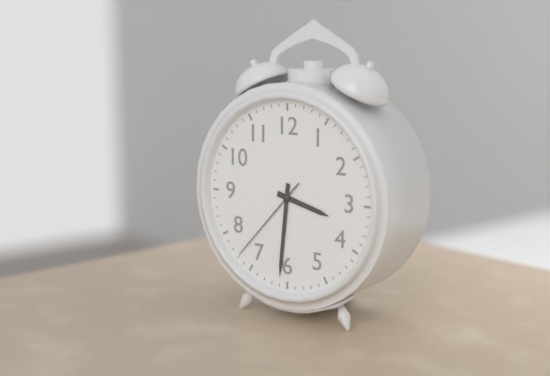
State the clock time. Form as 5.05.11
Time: 3.31.37
